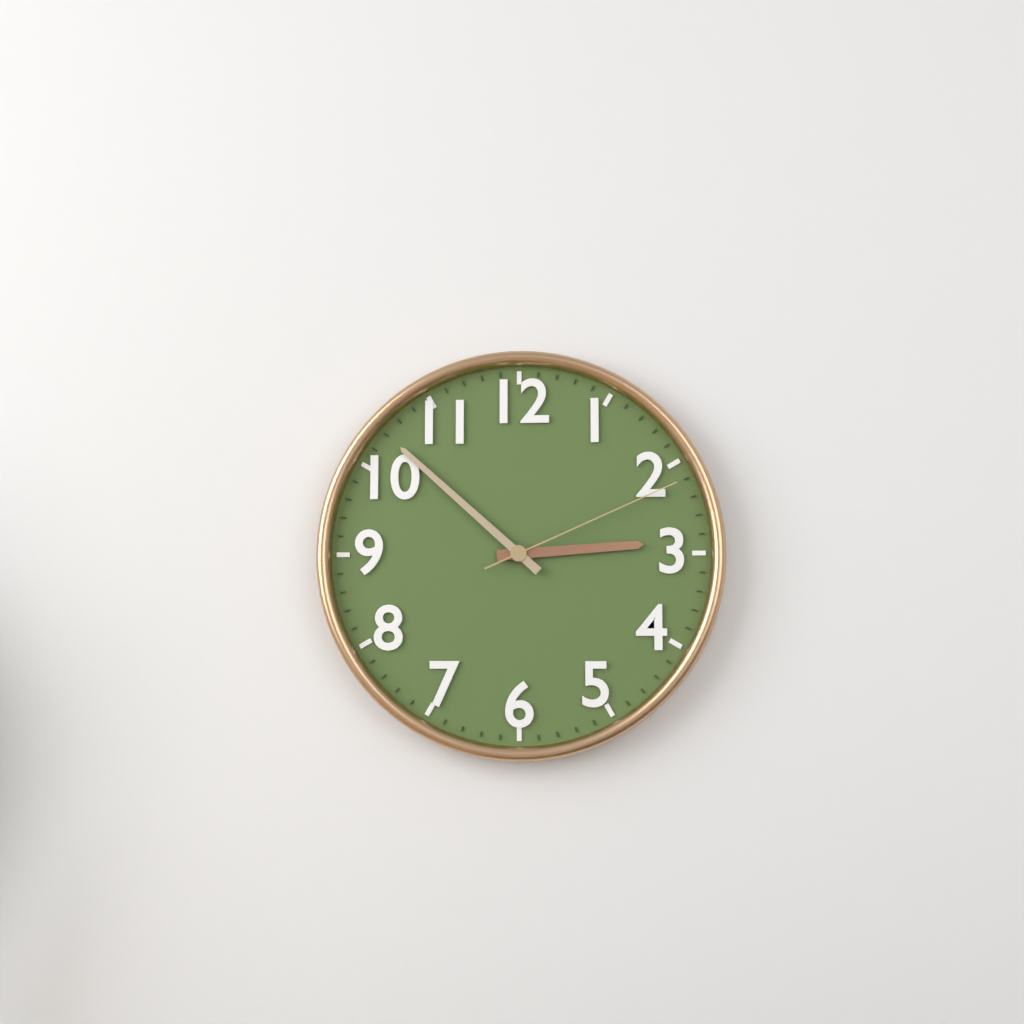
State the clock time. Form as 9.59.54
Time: 2.52.11
